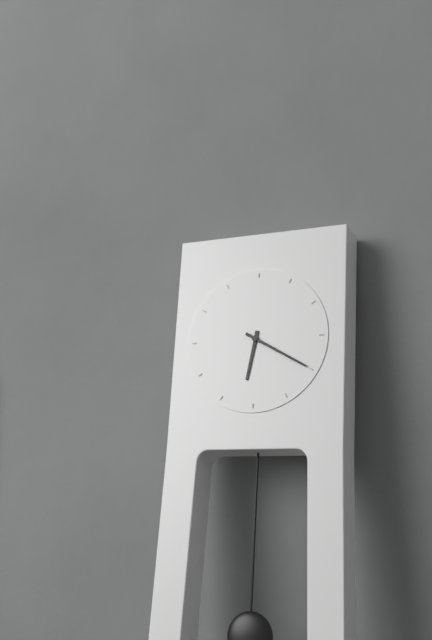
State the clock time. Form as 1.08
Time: 6.20
